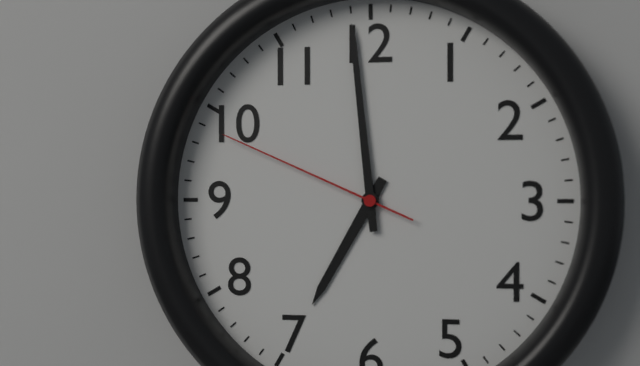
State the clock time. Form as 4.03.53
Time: 6.59.49
